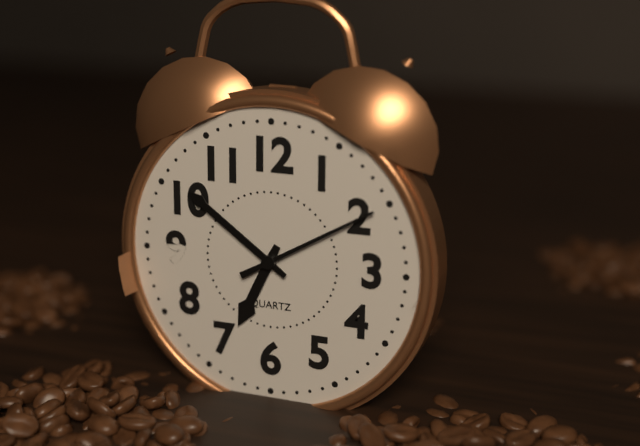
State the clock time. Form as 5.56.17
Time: 6.51.10
